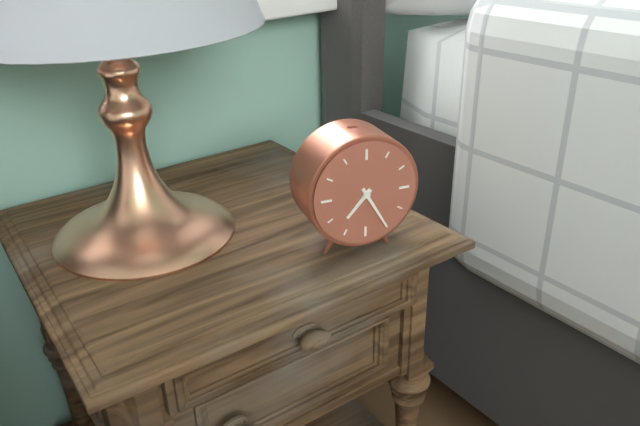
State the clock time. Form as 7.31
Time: 7.25
